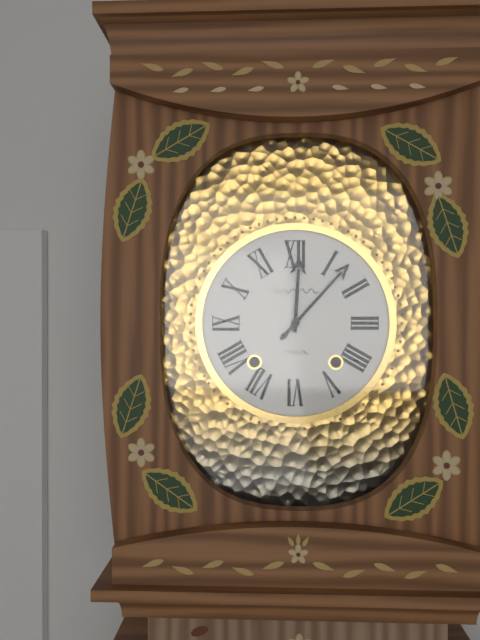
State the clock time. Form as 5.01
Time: 12.07
